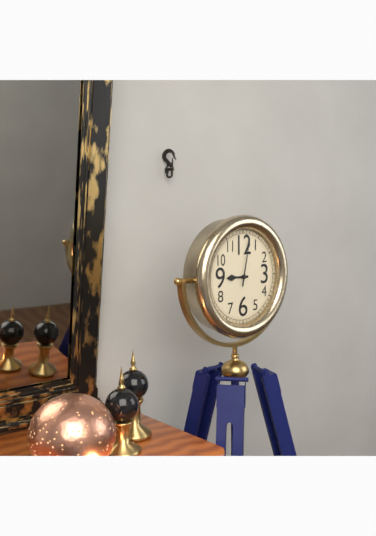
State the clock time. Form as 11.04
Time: 9.02
